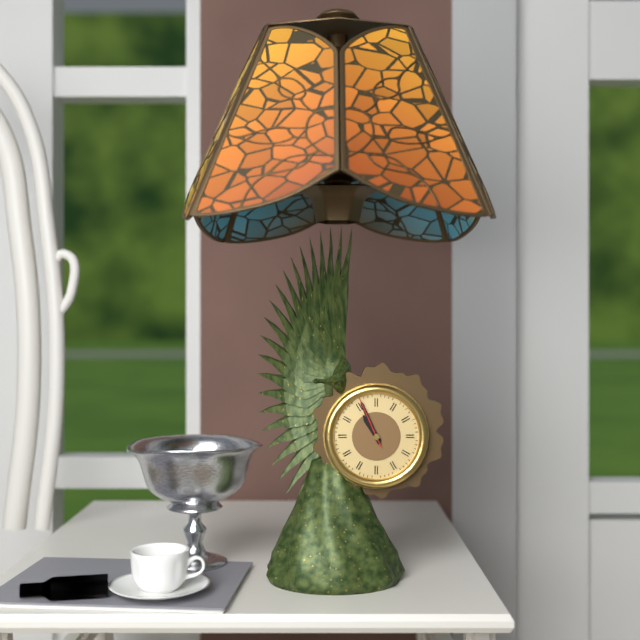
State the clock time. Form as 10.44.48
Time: 10.56.56
